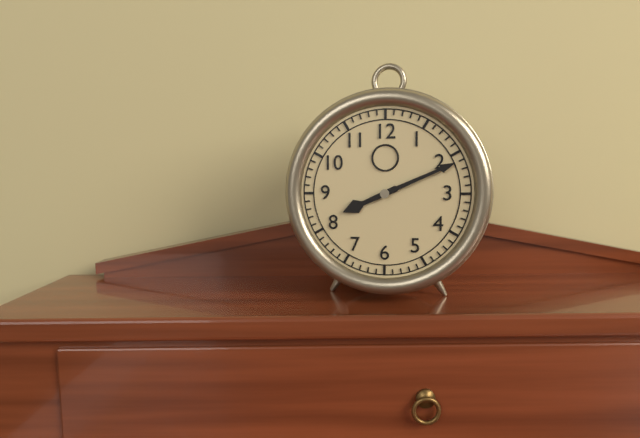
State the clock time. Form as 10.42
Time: 8.11
